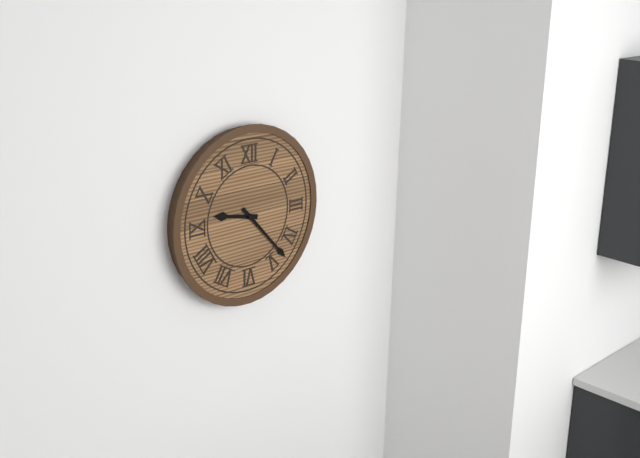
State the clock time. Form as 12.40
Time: 9.23
